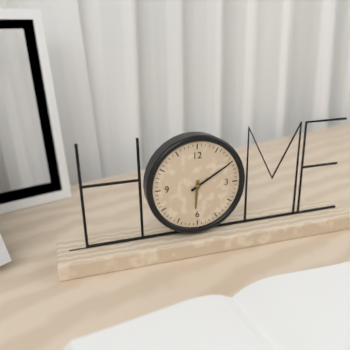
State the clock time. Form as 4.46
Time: 6.10
